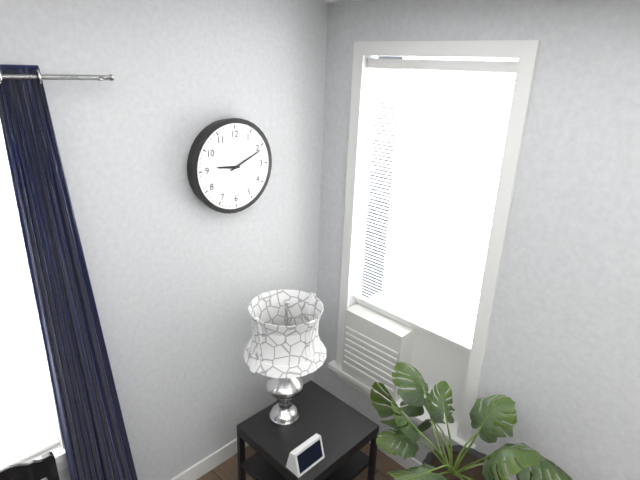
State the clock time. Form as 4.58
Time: 9.11
